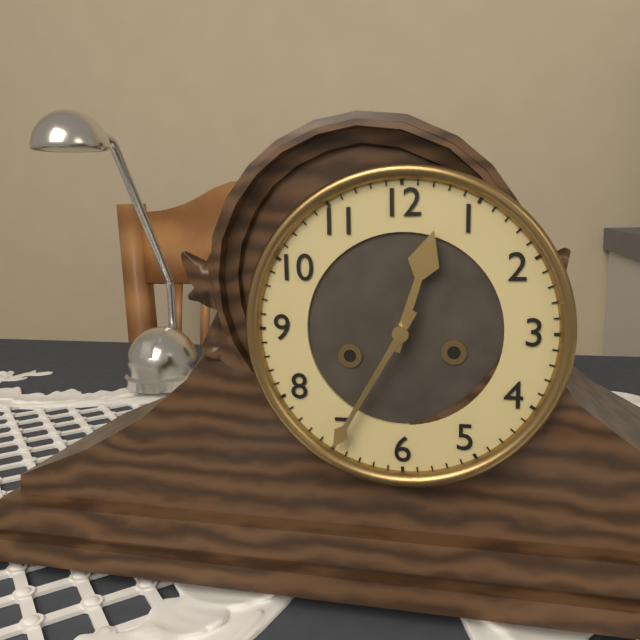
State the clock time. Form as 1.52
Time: 12.35
